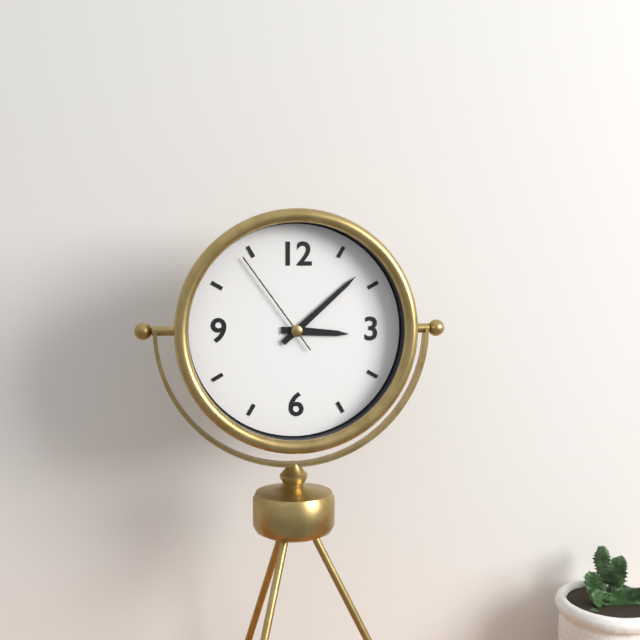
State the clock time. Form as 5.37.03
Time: 3.08.54
